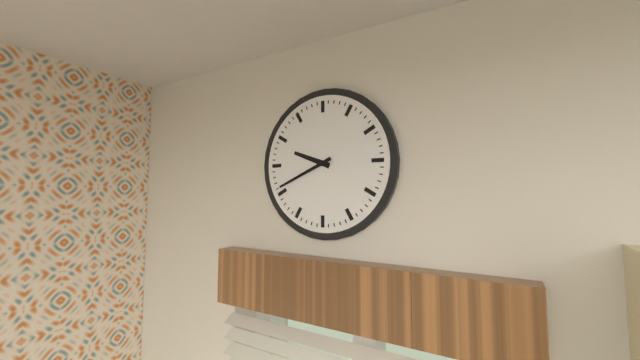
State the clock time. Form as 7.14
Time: 9.41
